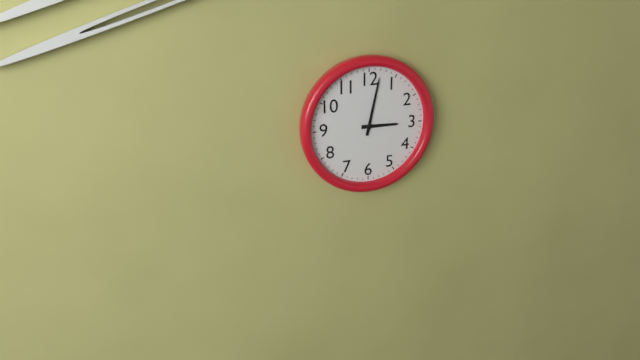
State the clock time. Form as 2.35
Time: 3.02
